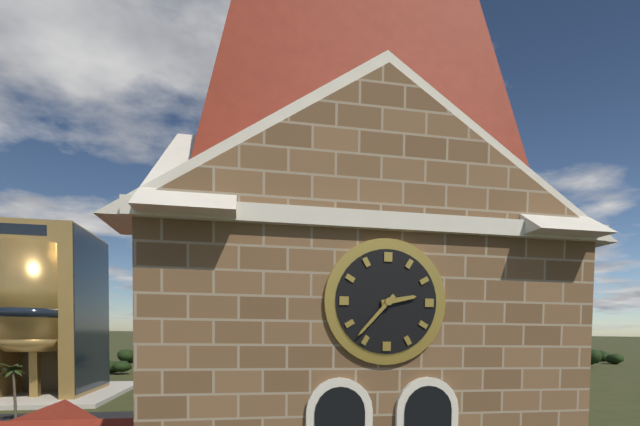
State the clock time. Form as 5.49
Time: 2.37
